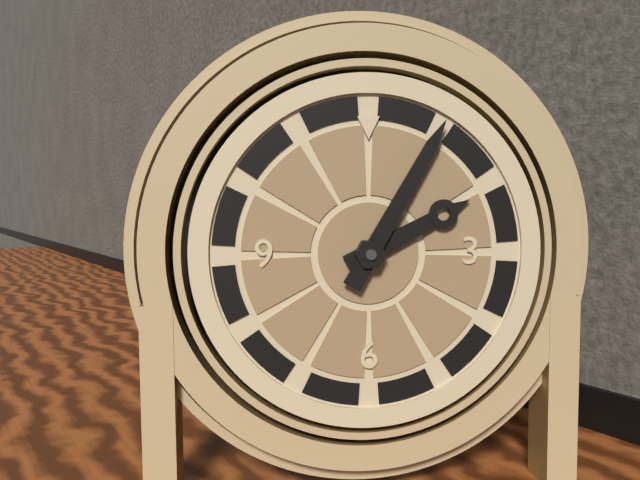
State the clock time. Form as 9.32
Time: 2.05
